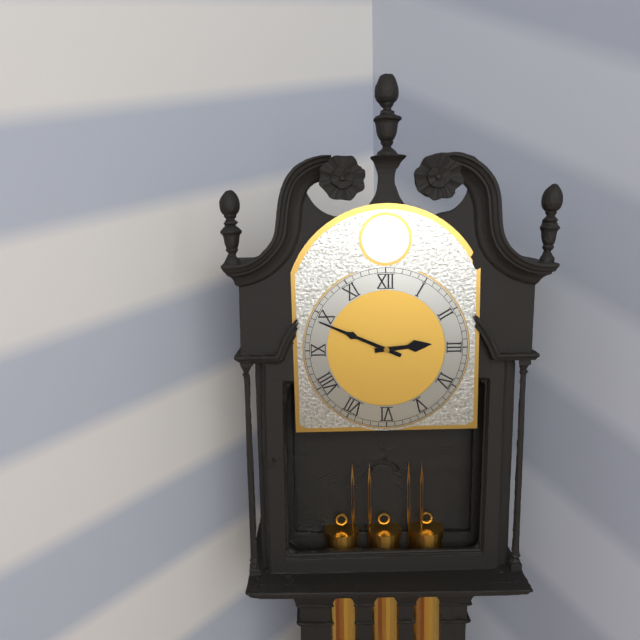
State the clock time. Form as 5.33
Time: 2.49
